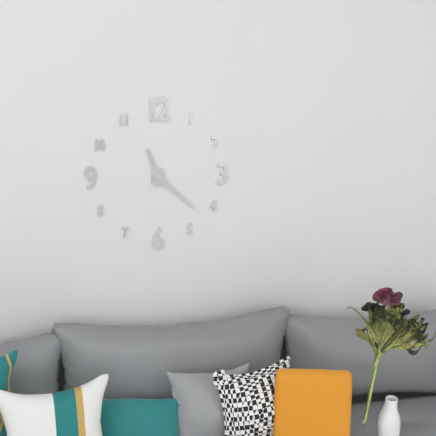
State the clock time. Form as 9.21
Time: 11.22
